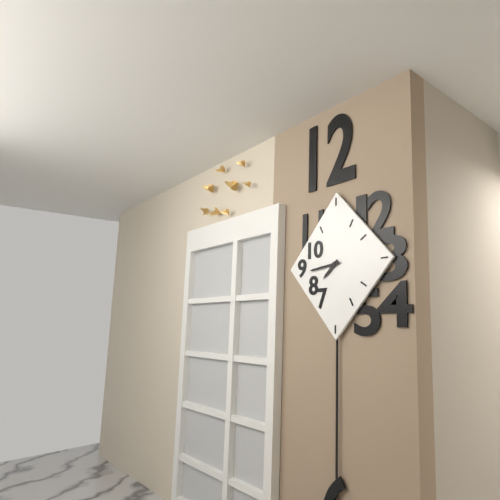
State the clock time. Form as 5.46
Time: 7.44
